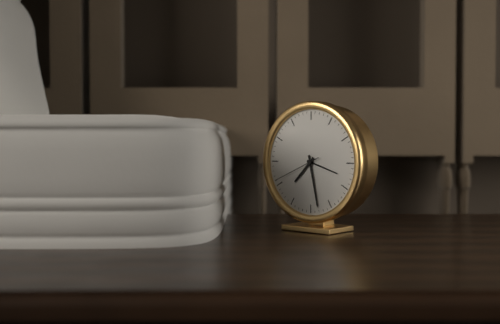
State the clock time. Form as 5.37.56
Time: 7.28.41
